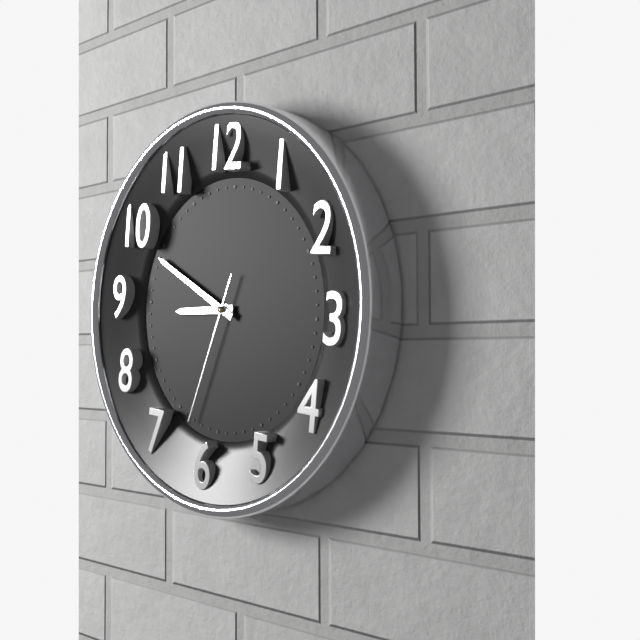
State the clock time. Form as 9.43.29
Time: 8.49.33
